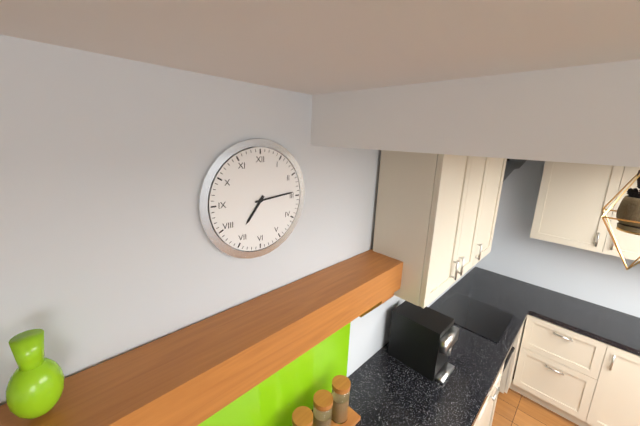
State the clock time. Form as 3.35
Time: 7.14
